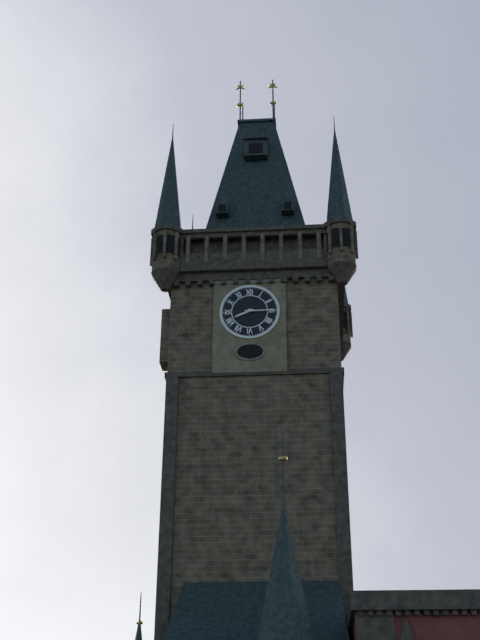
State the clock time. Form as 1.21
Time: 8.15
